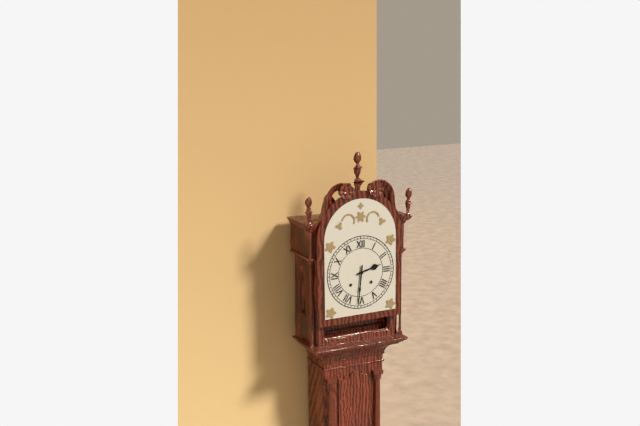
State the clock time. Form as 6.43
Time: 2.31
